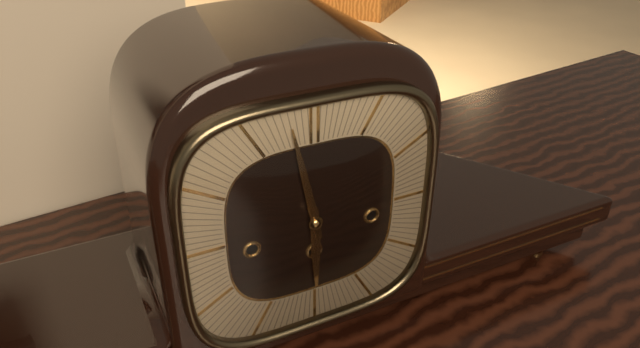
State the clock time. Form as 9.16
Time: 5.58
